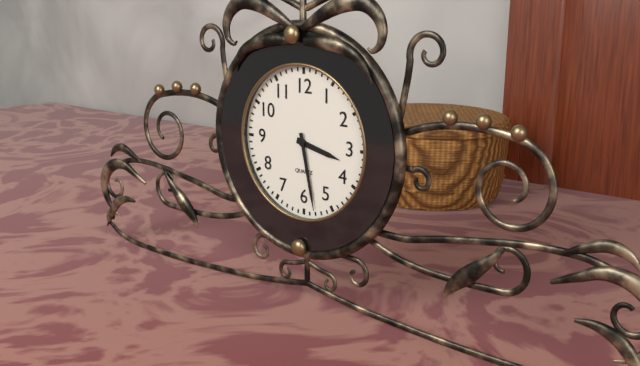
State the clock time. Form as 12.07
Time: 3.28
